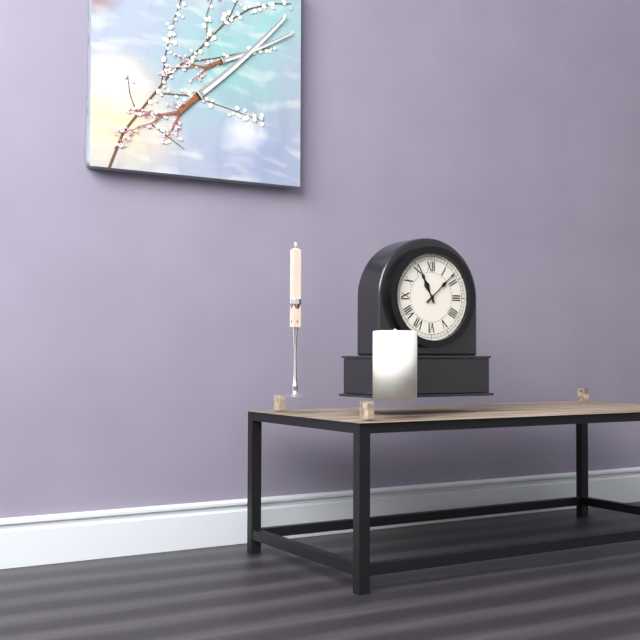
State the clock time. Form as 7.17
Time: 11.08
